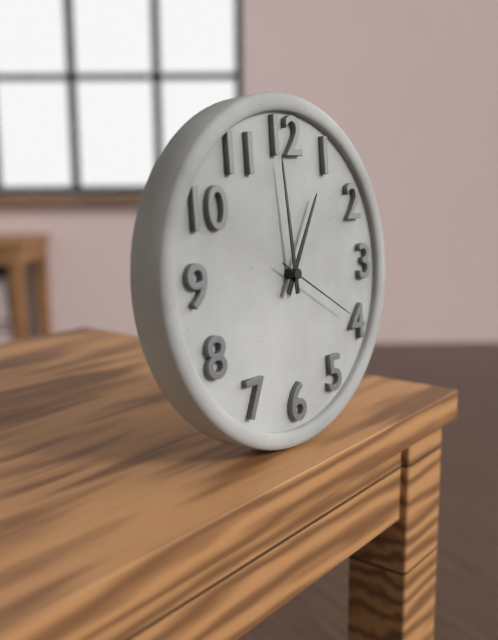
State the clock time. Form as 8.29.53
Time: 12.59.20
